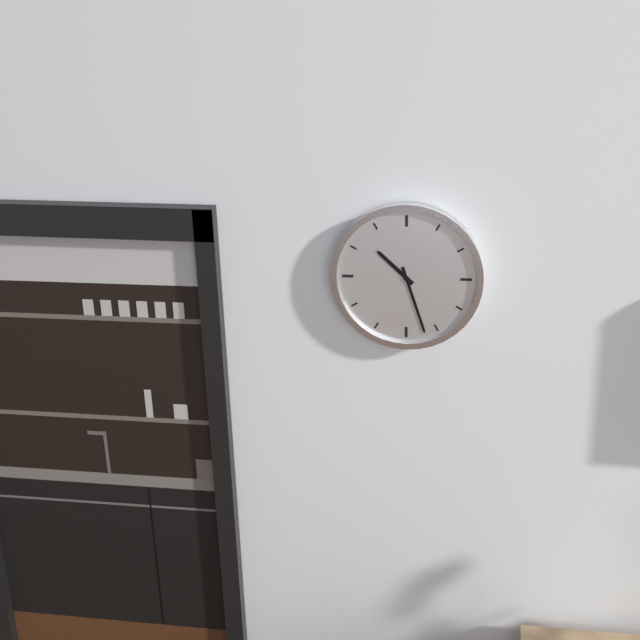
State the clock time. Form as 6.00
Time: 10.27
